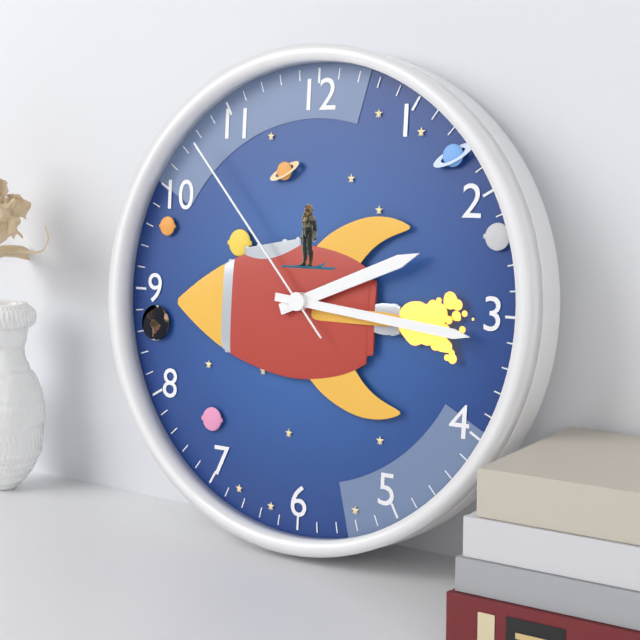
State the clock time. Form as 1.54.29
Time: 2.16.53
